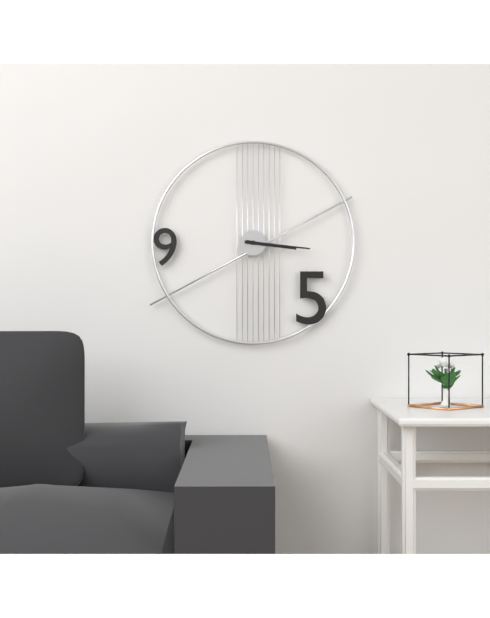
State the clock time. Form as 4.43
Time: 3.16
